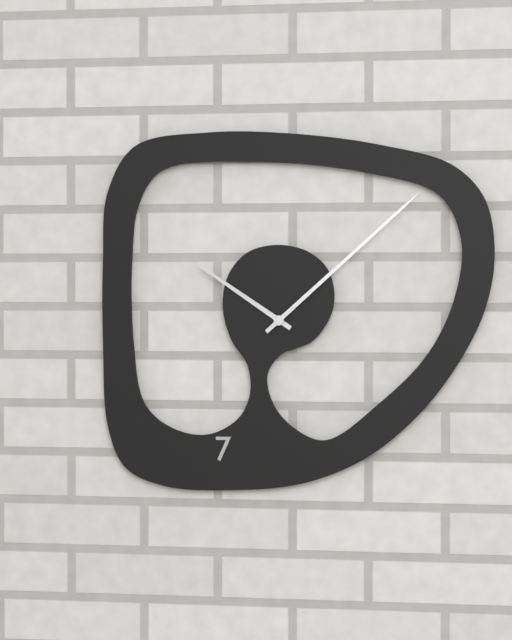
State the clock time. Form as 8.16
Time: 10.08
